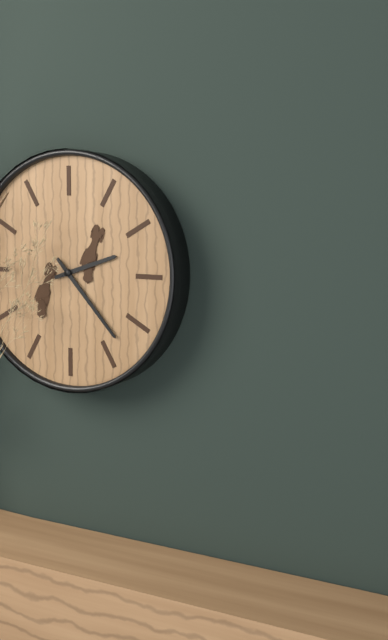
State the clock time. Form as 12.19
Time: 2.23
